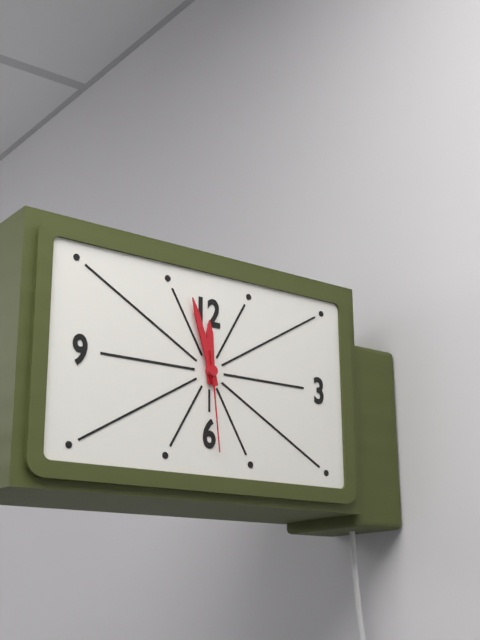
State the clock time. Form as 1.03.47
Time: 11.57.29
